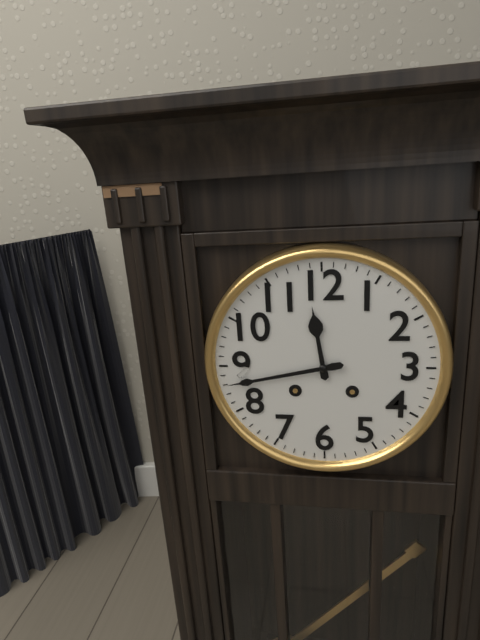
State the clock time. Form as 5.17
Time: 11.43
